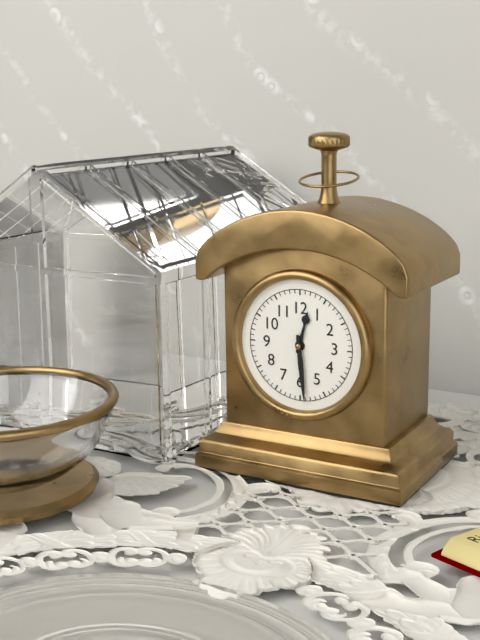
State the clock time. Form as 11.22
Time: 12.29
